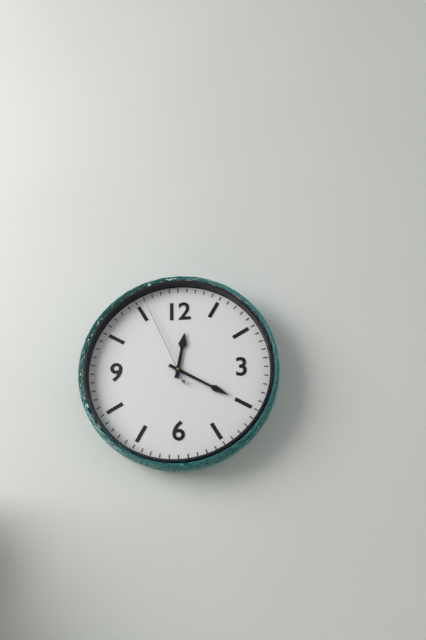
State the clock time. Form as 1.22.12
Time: 12.20.56
